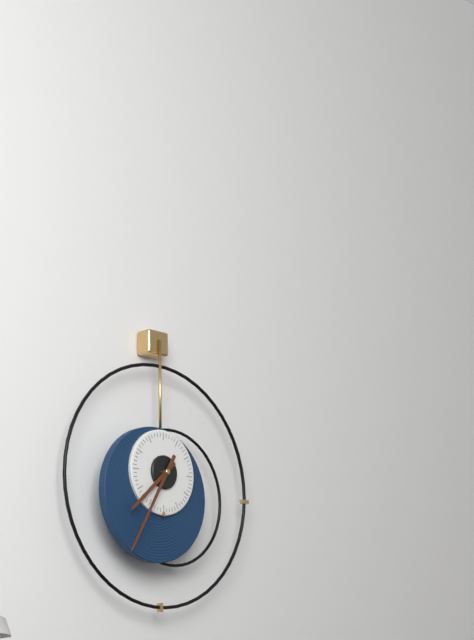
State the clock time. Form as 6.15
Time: 7.35
